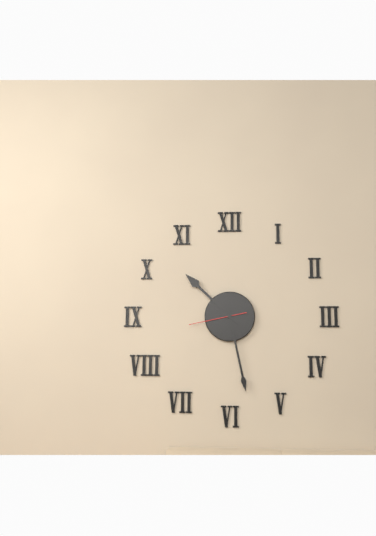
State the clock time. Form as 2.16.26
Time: 10.28.43
